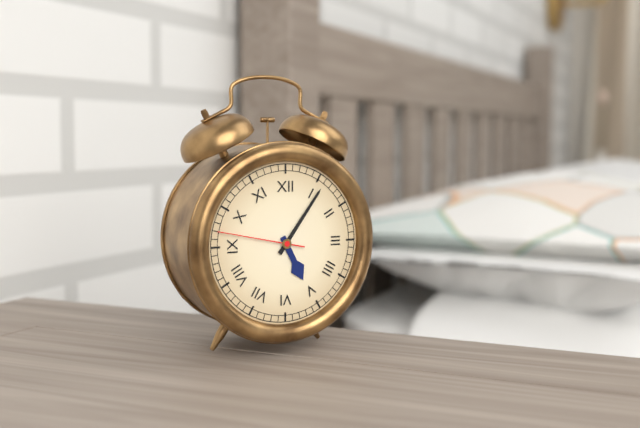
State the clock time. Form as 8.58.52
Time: 5.06.47
